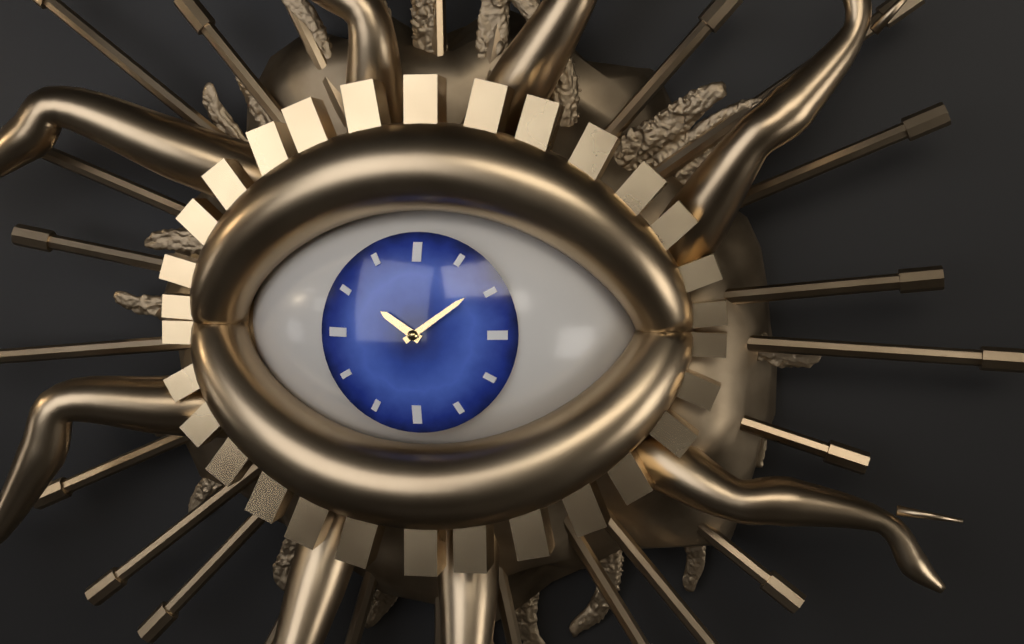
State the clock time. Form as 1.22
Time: 10.09
